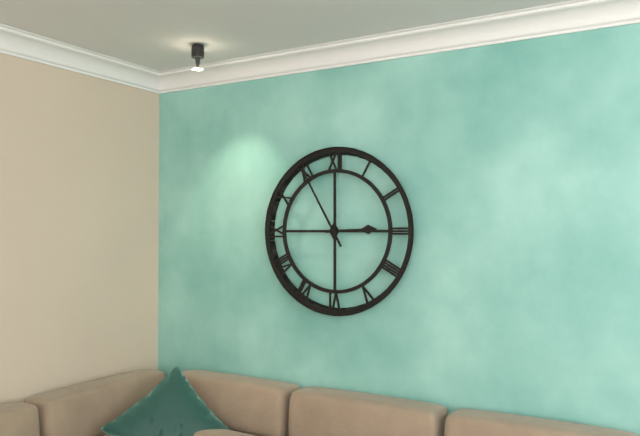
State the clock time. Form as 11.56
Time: 2.55
